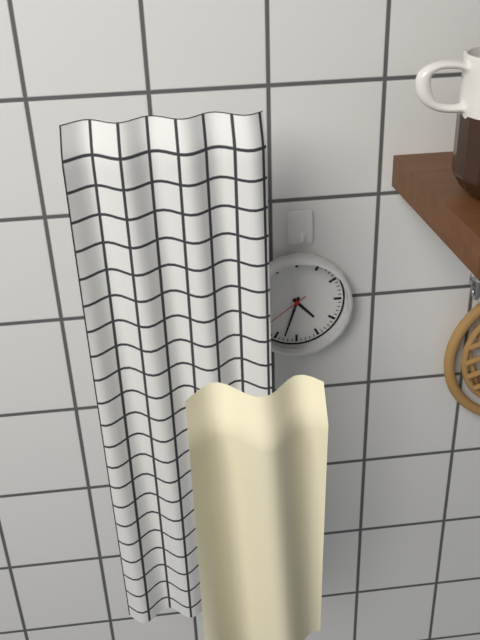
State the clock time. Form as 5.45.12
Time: 4.33.39
